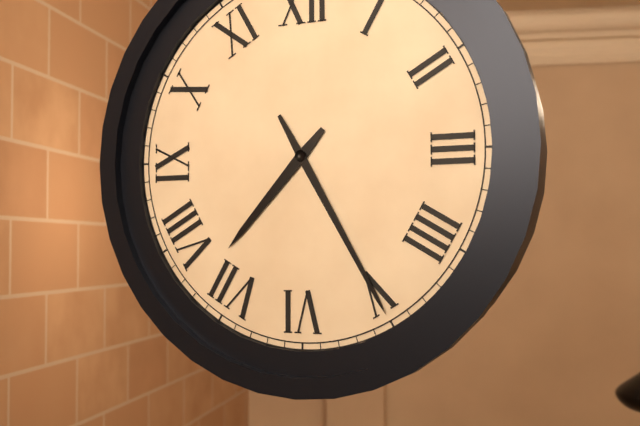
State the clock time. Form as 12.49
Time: 7.25
